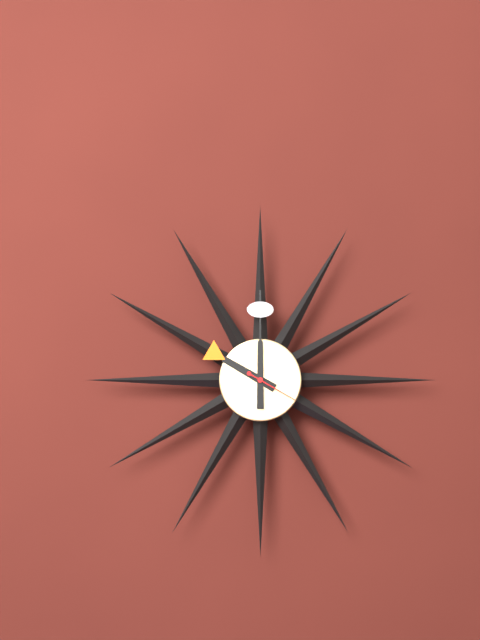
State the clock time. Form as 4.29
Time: 10.00
